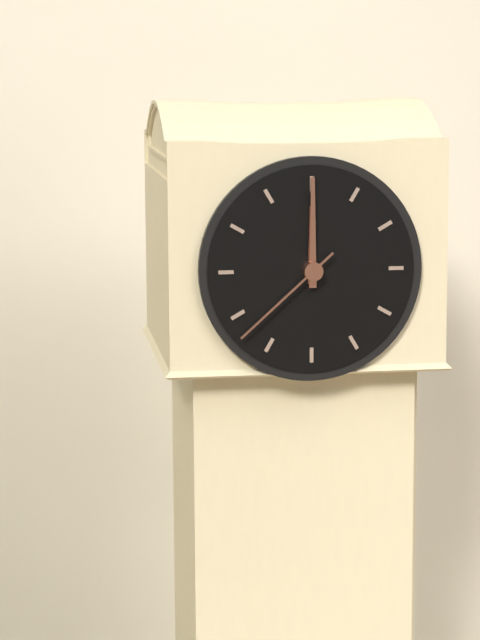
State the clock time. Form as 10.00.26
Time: 12.00.38
